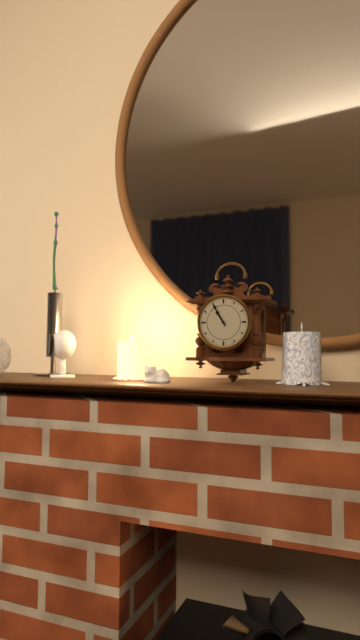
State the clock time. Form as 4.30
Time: 10.55
